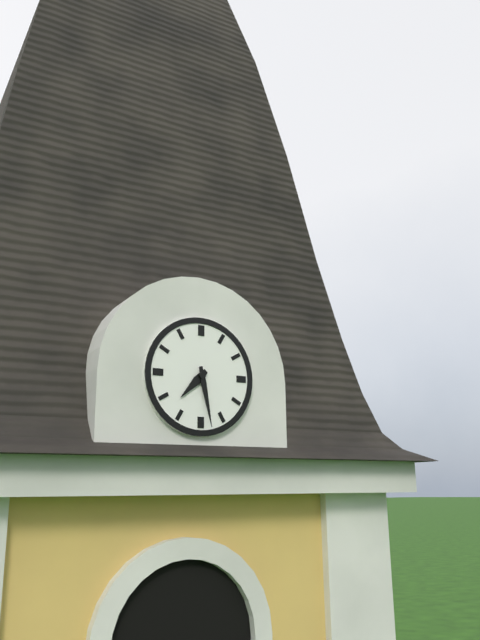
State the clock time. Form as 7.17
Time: 7.28
